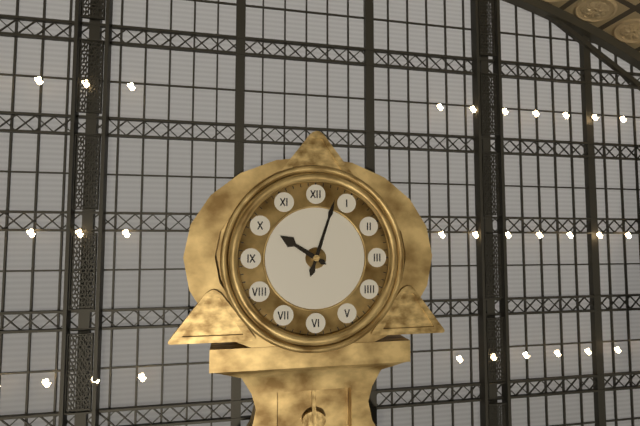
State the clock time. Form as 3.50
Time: 10.03
